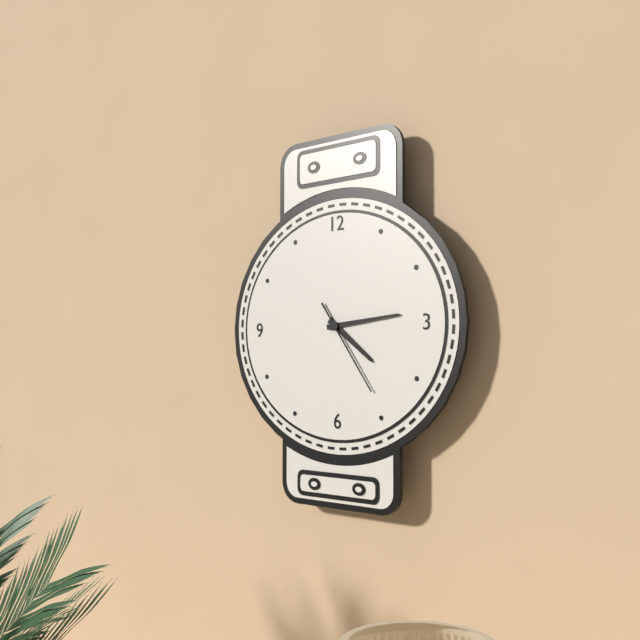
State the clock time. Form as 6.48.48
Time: 4.14.24
